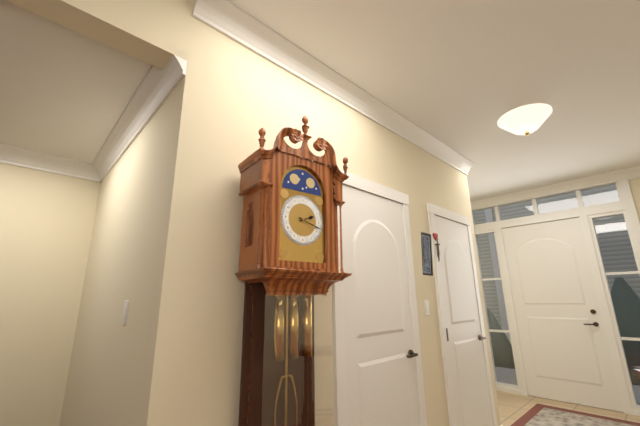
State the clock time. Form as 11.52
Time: 2.18
